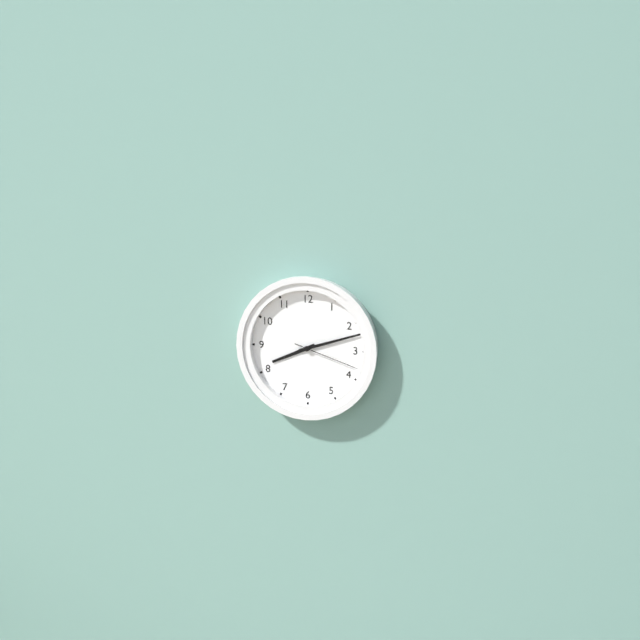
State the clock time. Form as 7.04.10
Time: 8.12.18
